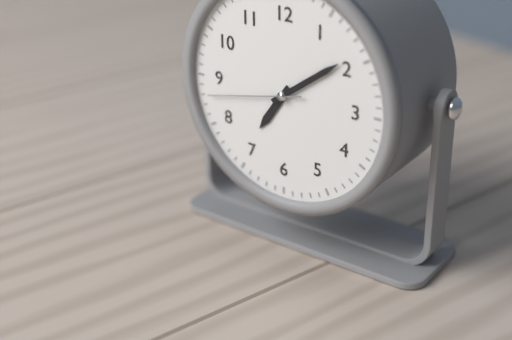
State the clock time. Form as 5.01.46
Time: 7.09.43
